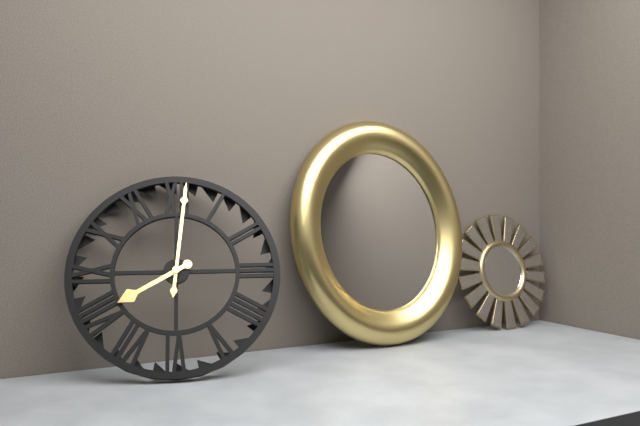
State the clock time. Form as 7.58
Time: 8.01
